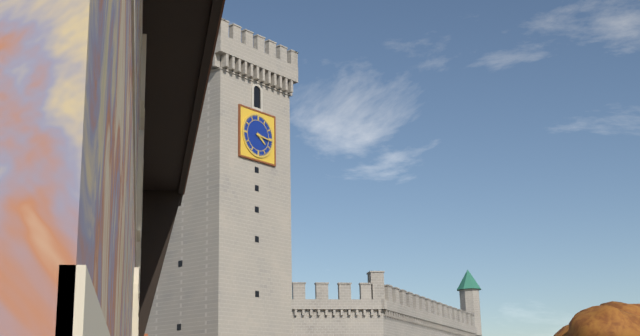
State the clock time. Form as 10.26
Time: 4.16
